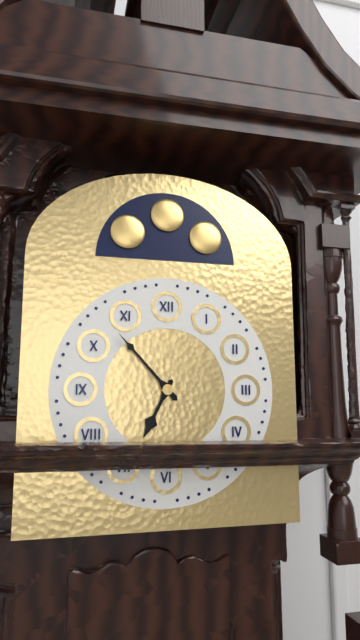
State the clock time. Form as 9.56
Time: 6.53
